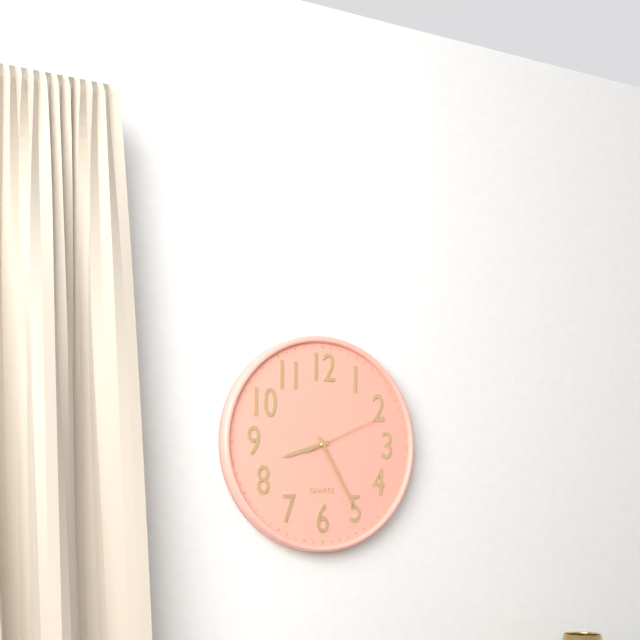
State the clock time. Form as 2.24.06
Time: 8.25.11
